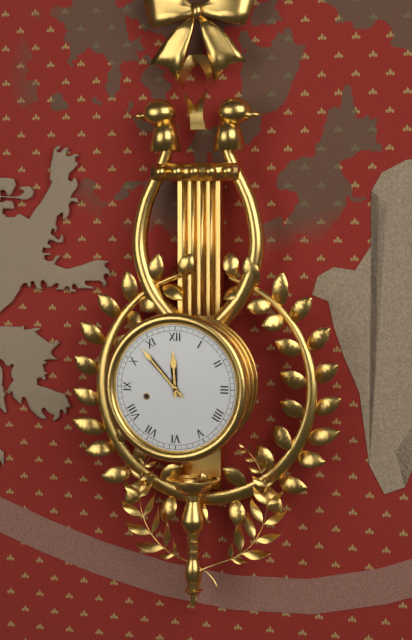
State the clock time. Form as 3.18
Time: 11.53
